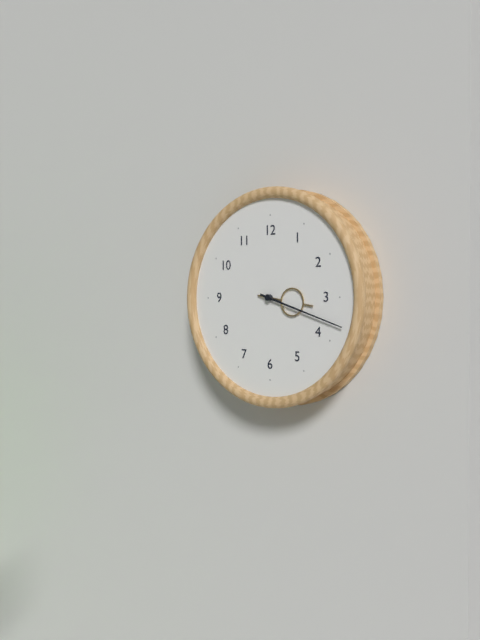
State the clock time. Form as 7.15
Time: 3.18
